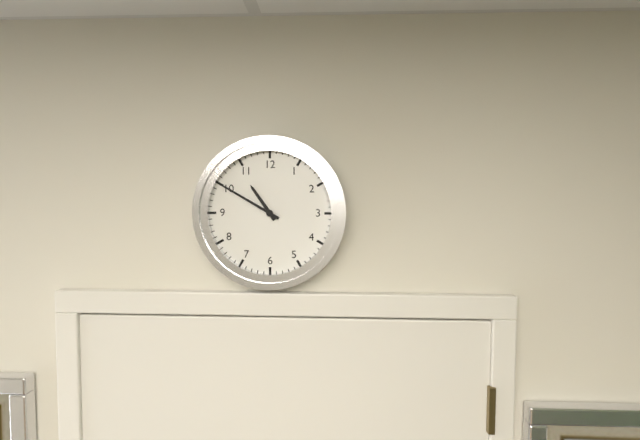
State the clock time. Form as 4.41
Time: 10.50
